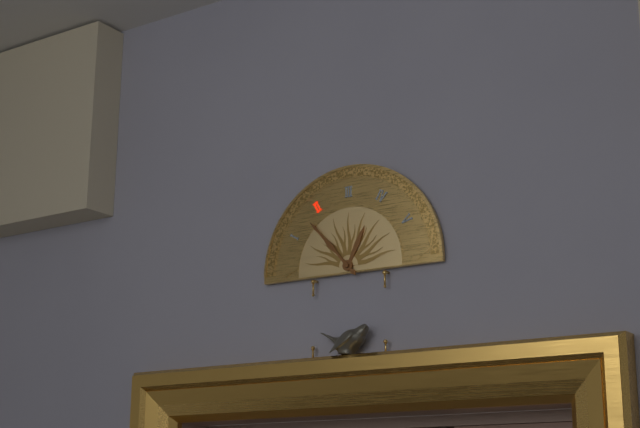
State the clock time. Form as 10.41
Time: 12.53
